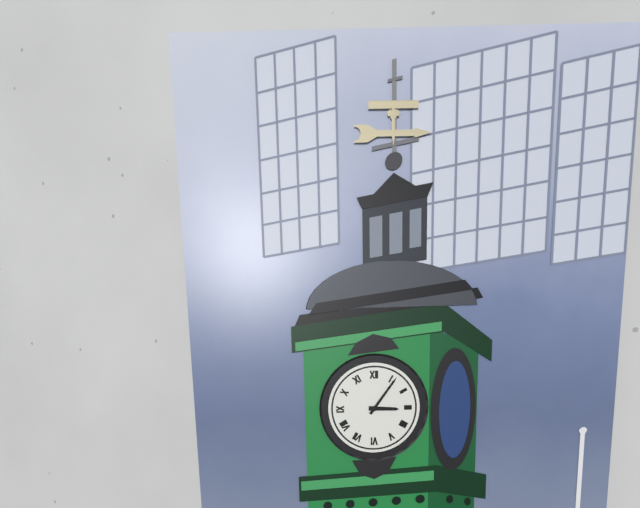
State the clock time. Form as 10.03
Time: 3.06
